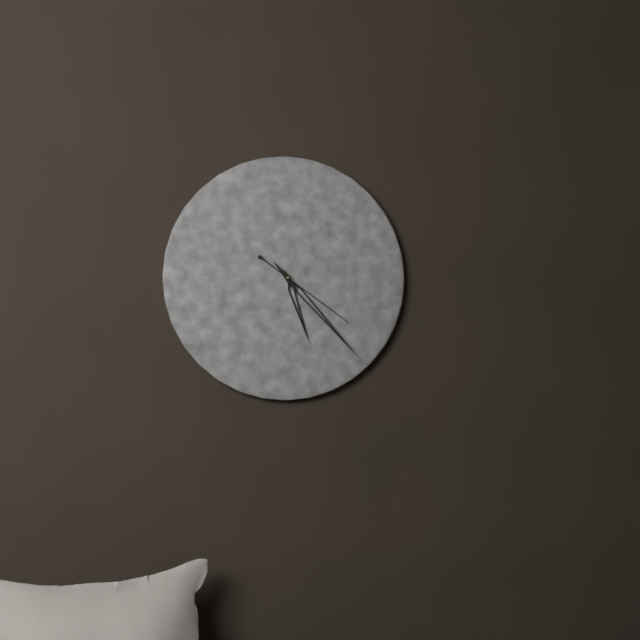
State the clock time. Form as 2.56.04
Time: 5.23.21
